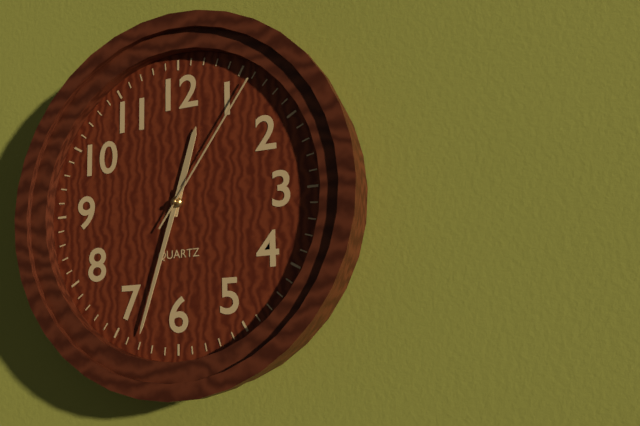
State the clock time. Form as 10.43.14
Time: 12.33.06
